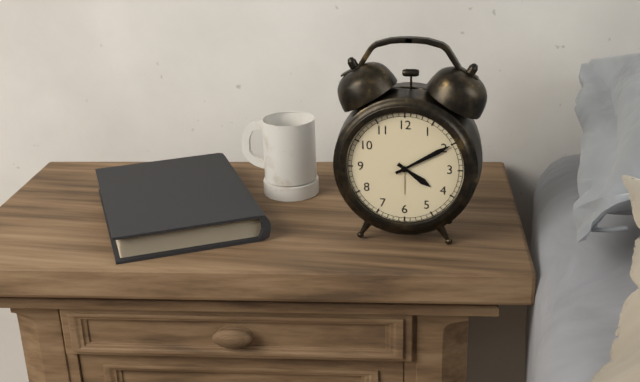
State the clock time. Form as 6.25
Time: 4.10
